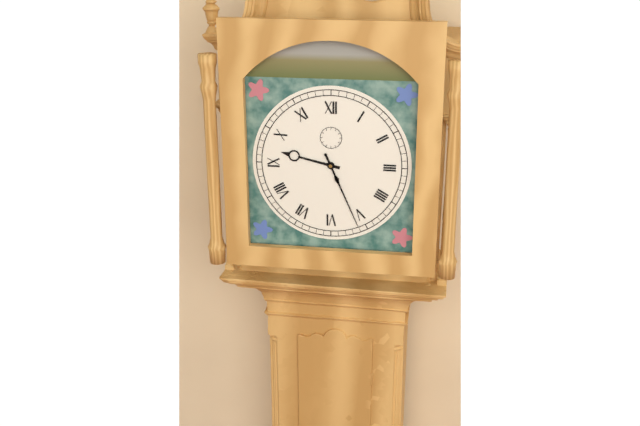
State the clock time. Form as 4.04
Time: 9.26
